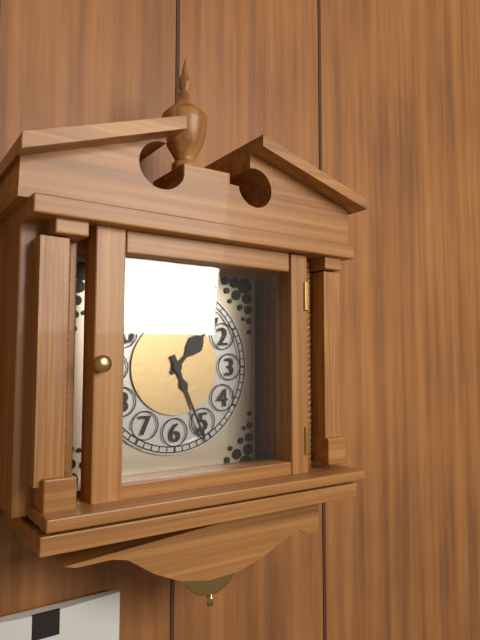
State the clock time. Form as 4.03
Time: 1.26
